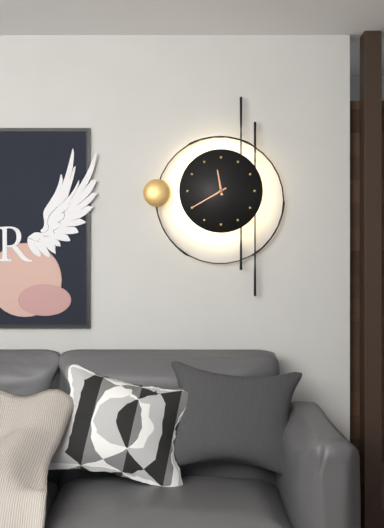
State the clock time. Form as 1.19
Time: 11.40
